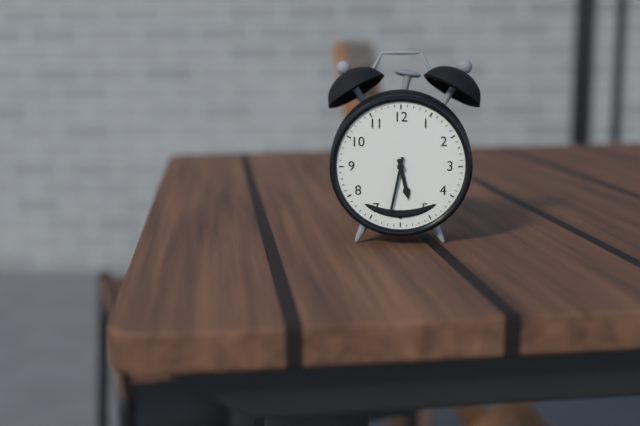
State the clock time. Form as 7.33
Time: 5.32
